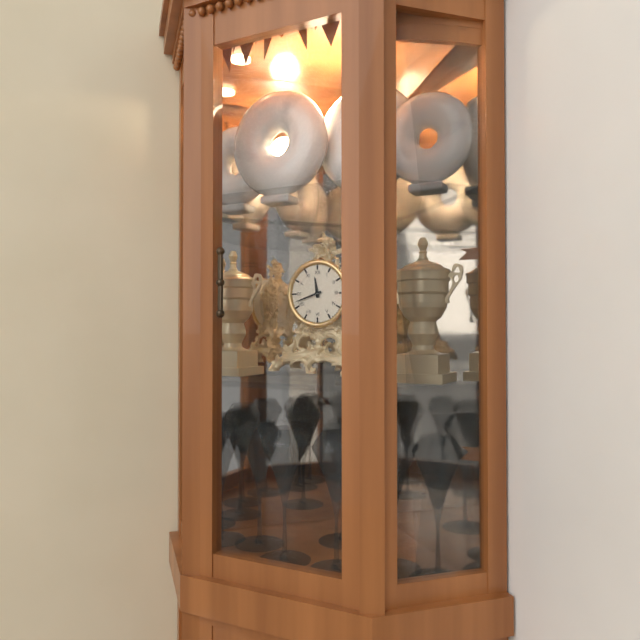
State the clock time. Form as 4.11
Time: 11.42
